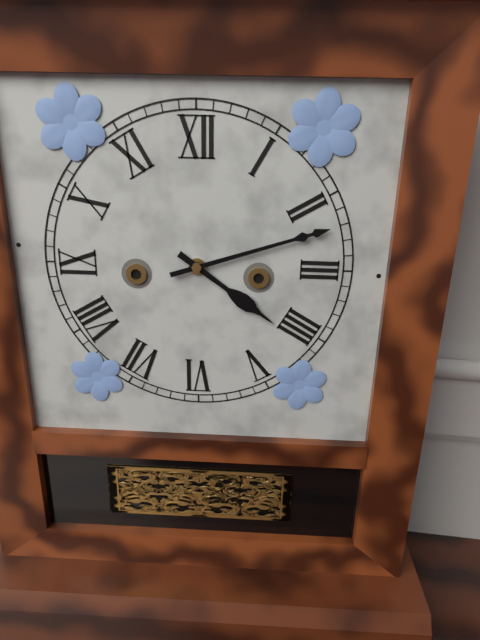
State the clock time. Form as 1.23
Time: 4.12
